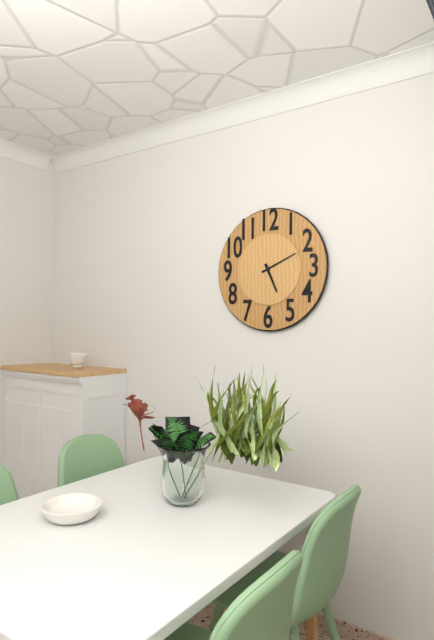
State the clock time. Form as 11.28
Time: 5.11
